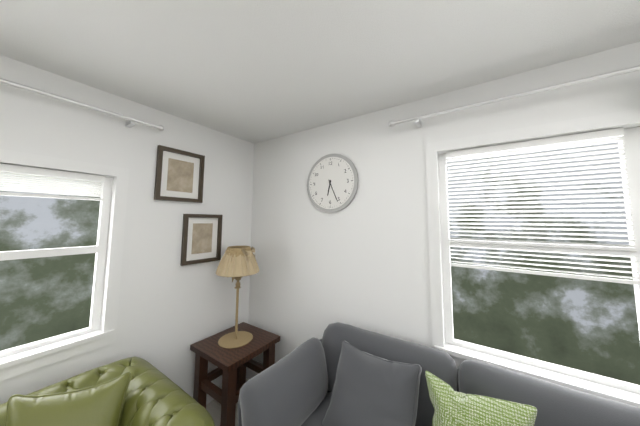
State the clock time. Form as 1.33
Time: 6.26
